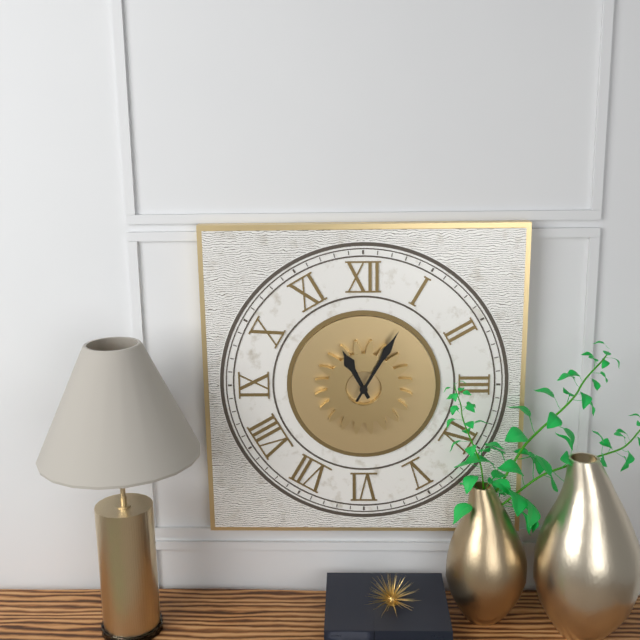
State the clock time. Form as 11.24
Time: 11.05
